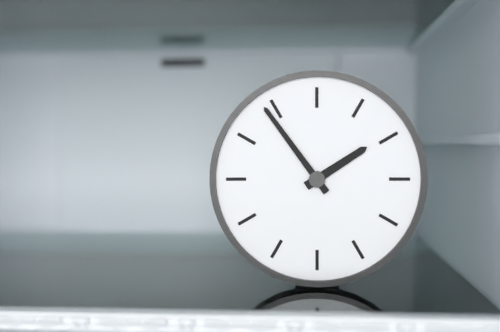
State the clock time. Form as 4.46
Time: 1.54
